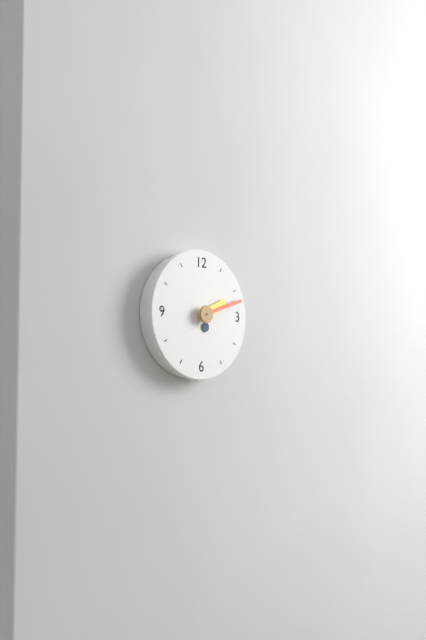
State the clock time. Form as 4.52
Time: 2.12
